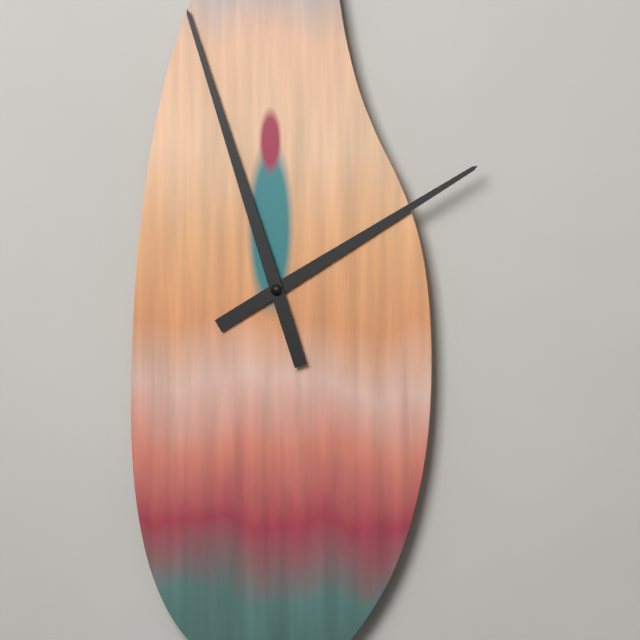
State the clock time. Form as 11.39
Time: 1.57
